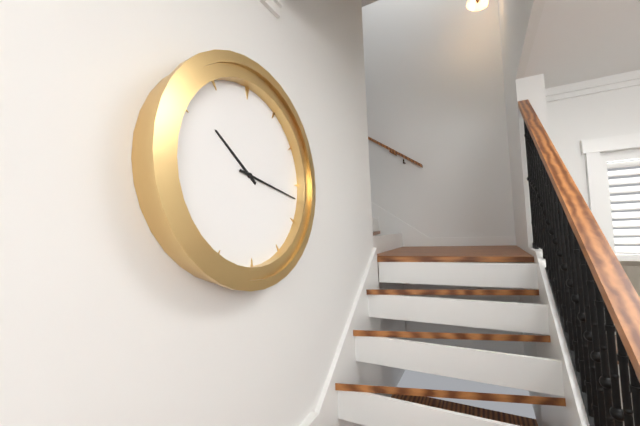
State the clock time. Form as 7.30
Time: 10.17
